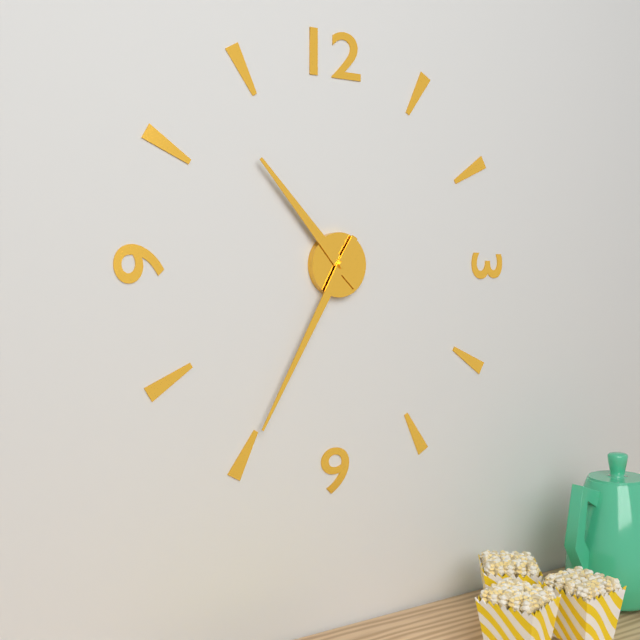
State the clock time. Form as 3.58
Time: 10.35
